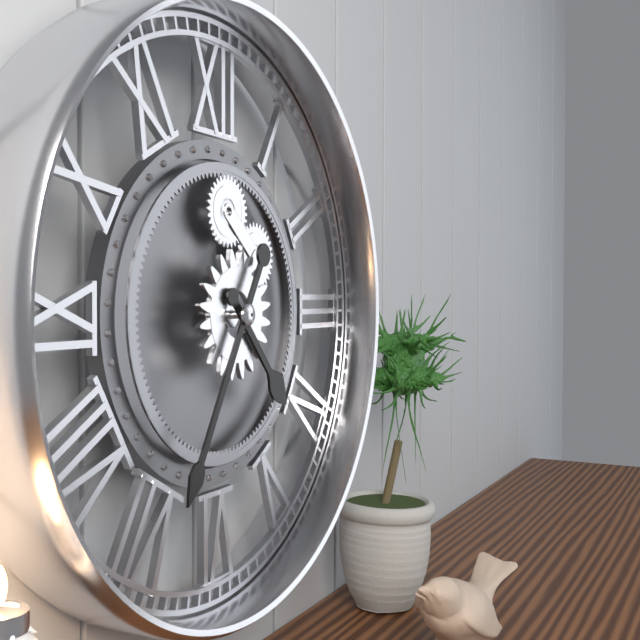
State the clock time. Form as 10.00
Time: 4.35
